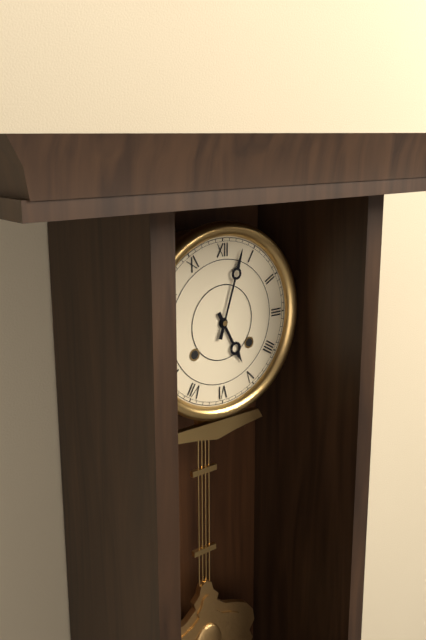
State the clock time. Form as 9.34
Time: 5.03
